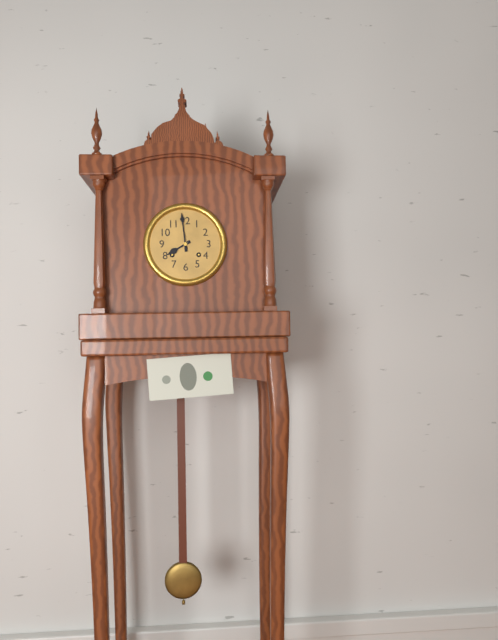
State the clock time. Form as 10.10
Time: 7.59
